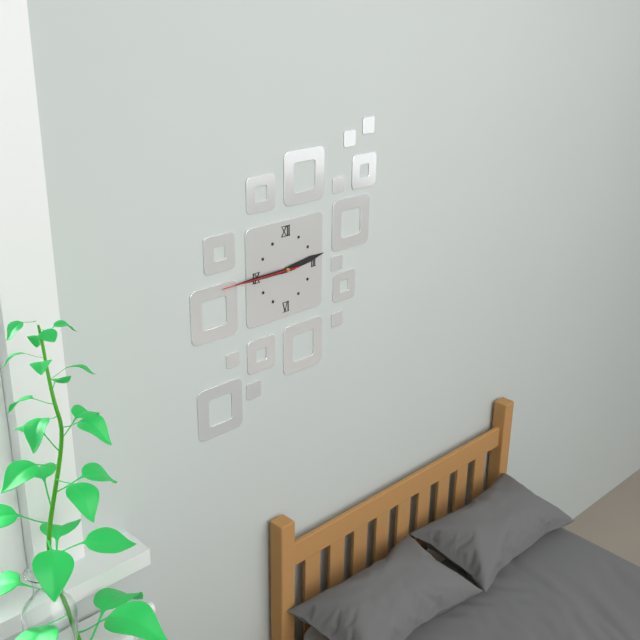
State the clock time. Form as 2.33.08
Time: 2.45.45
